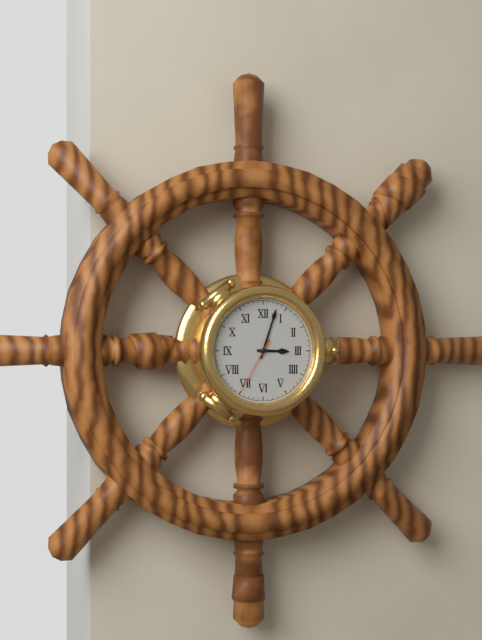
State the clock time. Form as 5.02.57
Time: 3.03.35
